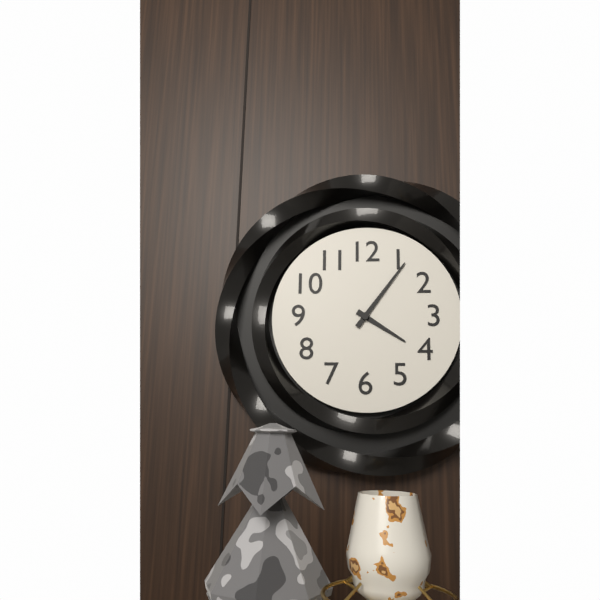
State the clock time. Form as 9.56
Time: 4.06
